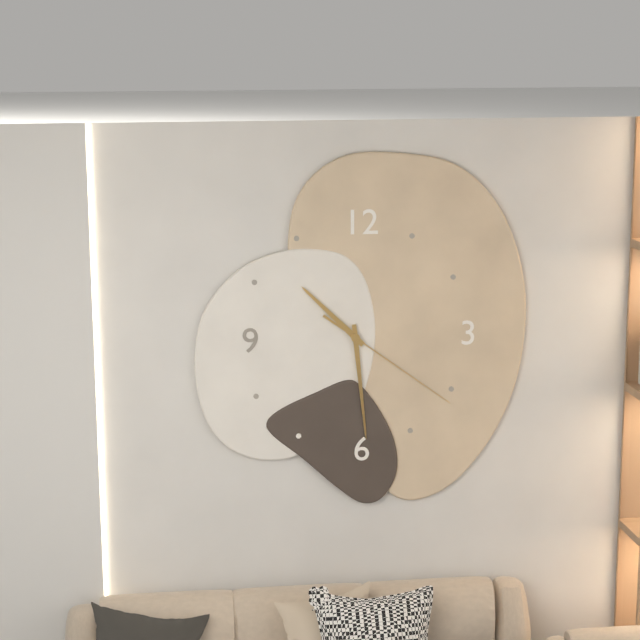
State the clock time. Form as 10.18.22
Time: 10.29.21
